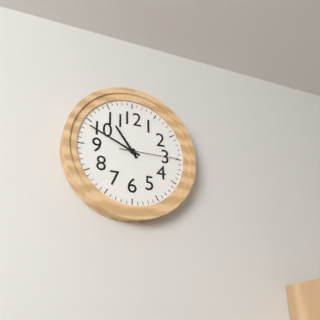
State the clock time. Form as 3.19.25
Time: 10.49.15
